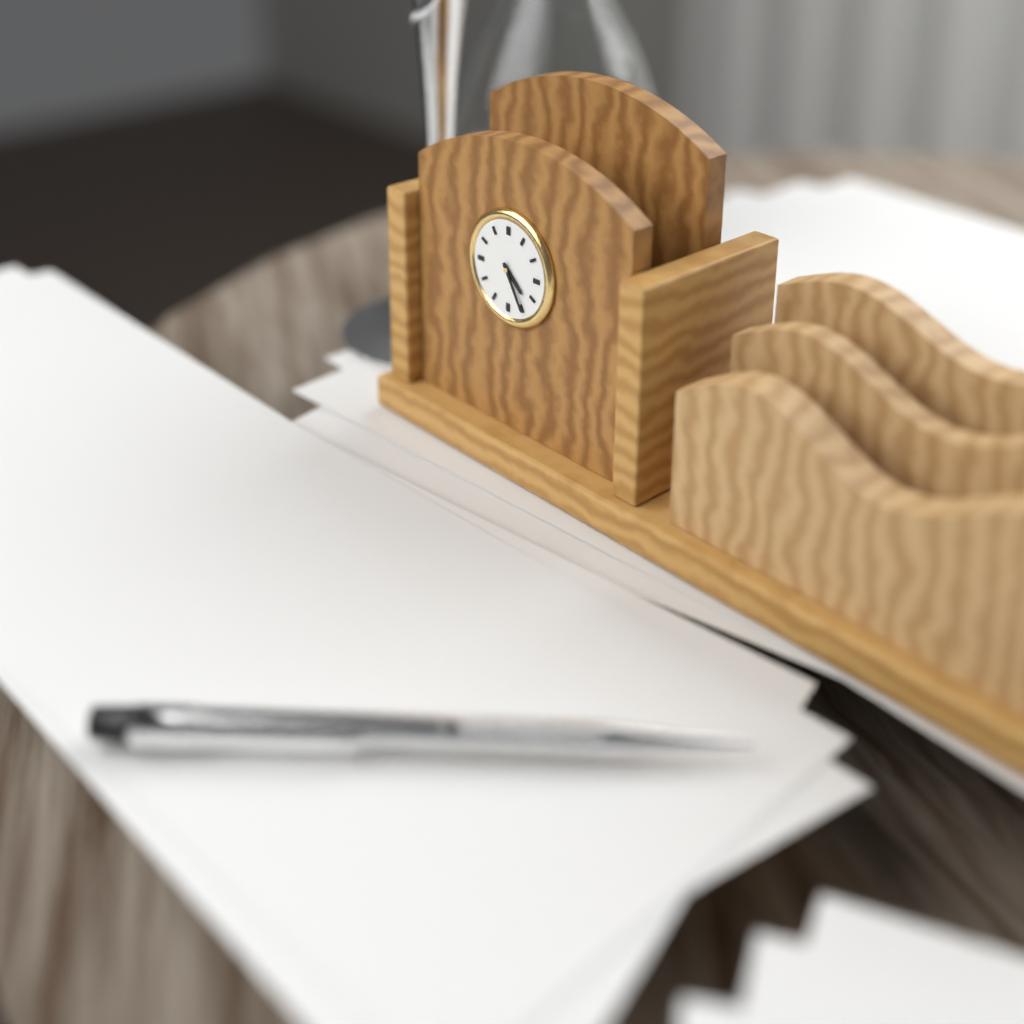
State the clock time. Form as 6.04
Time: 4.25
